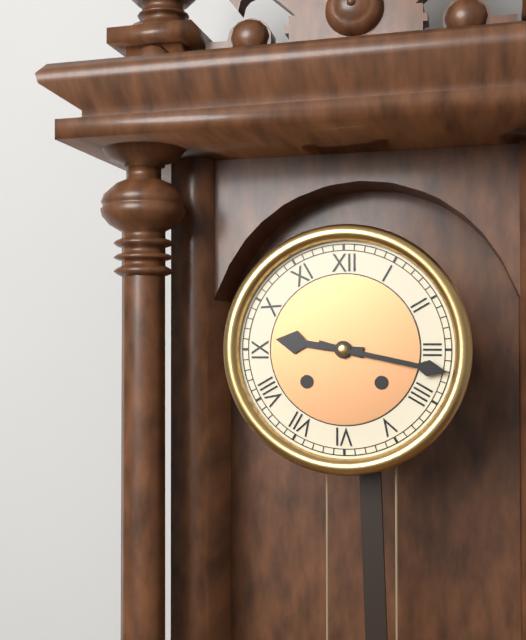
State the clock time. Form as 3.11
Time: 9.17
